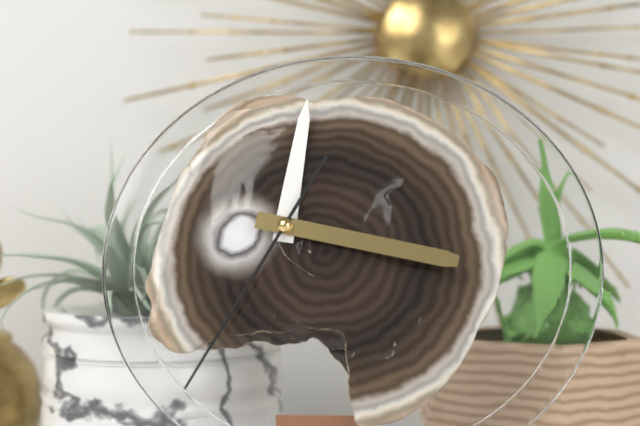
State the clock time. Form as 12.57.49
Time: 12.17.35
